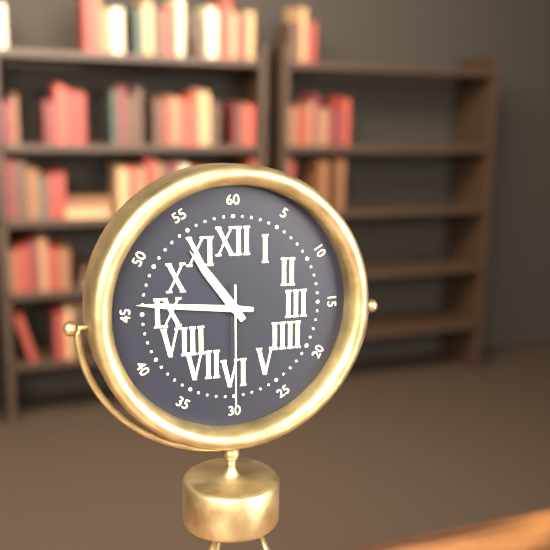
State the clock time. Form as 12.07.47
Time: 10.46.30
